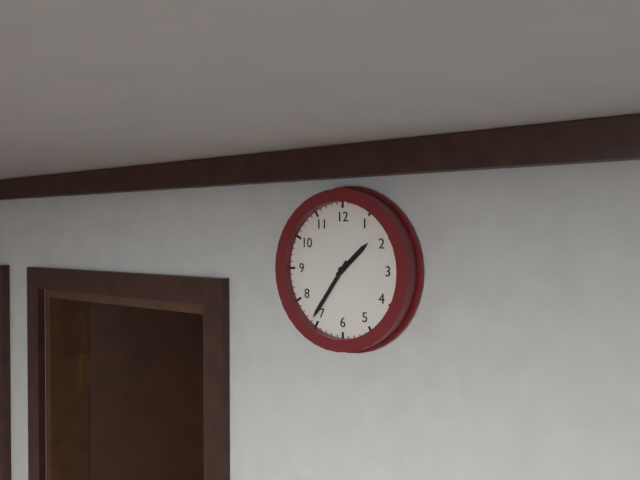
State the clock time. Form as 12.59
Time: 1.36
